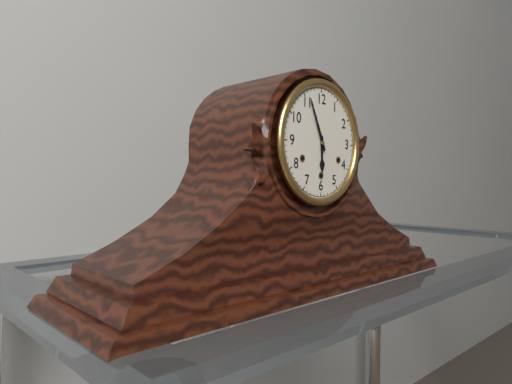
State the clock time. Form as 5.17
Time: 5.56
